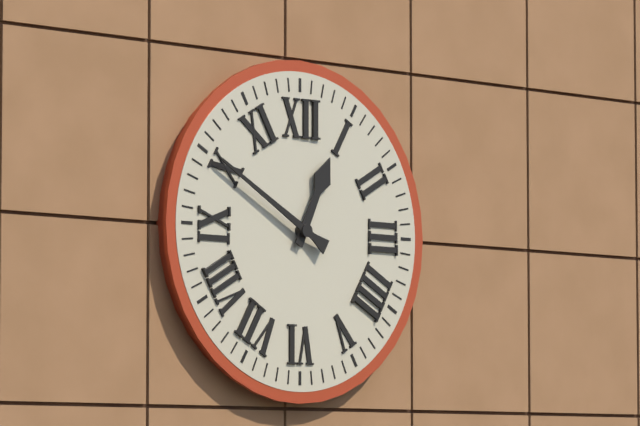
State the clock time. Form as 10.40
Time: 12.50
